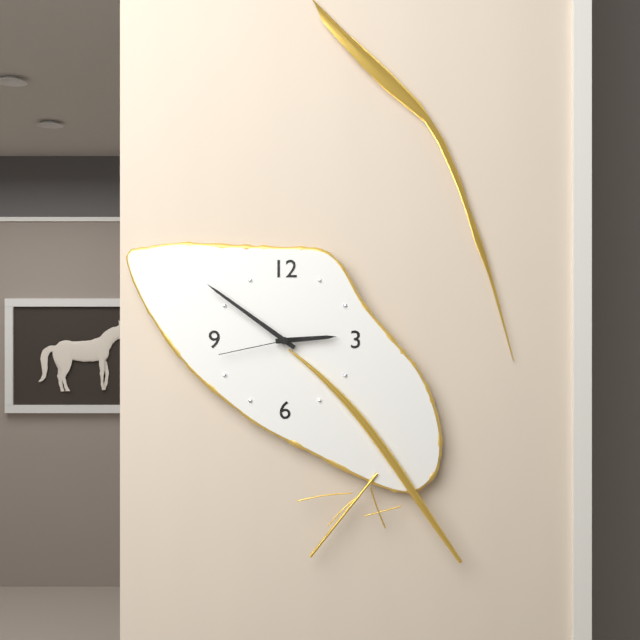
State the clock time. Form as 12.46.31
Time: 2.51.43
